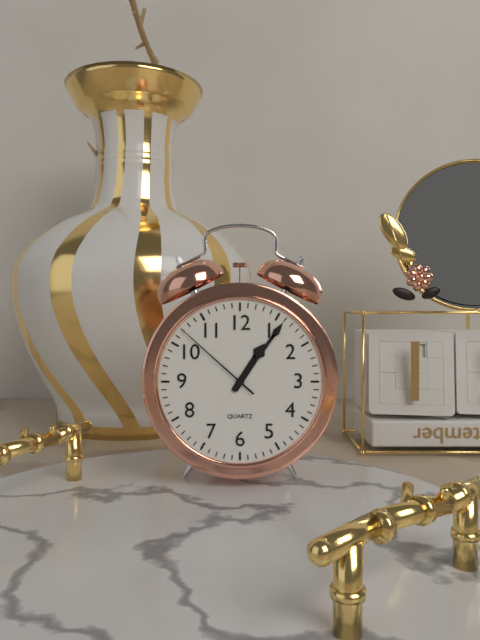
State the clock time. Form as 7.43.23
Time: 1.06.52
